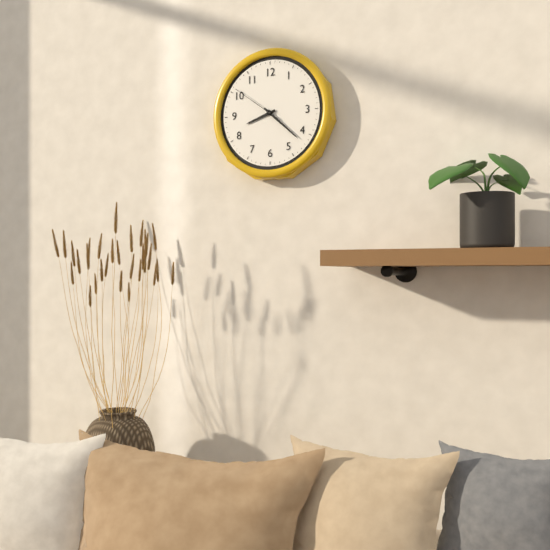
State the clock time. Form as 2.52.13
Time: 8.22.51
